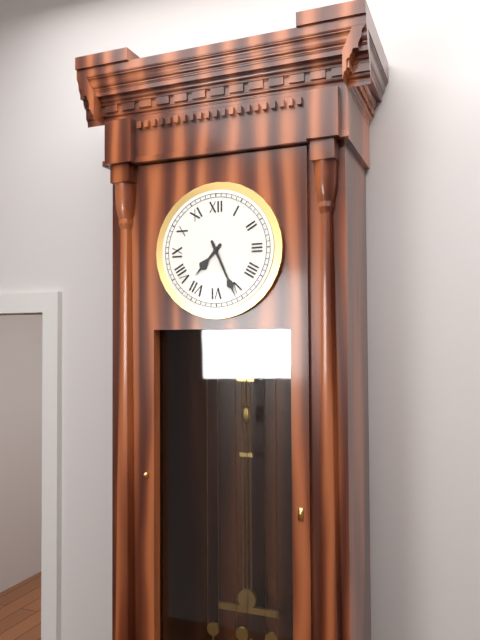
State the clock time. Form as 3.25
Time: 7.26
